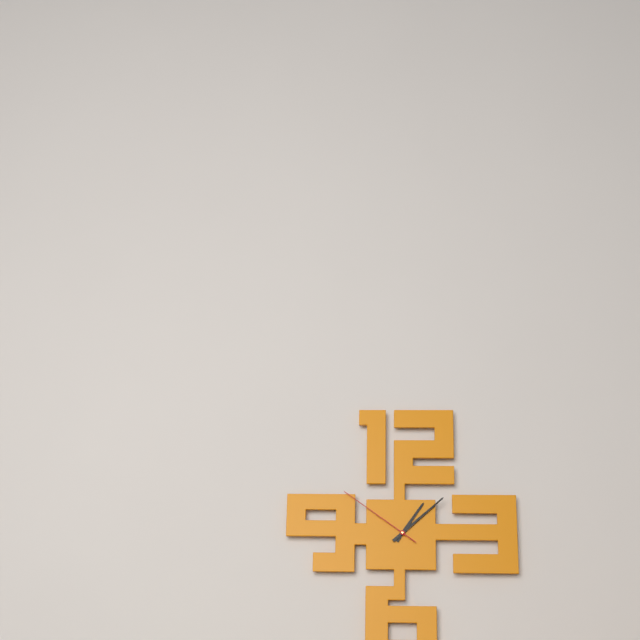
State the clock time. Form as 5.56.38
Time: 1.08.51
